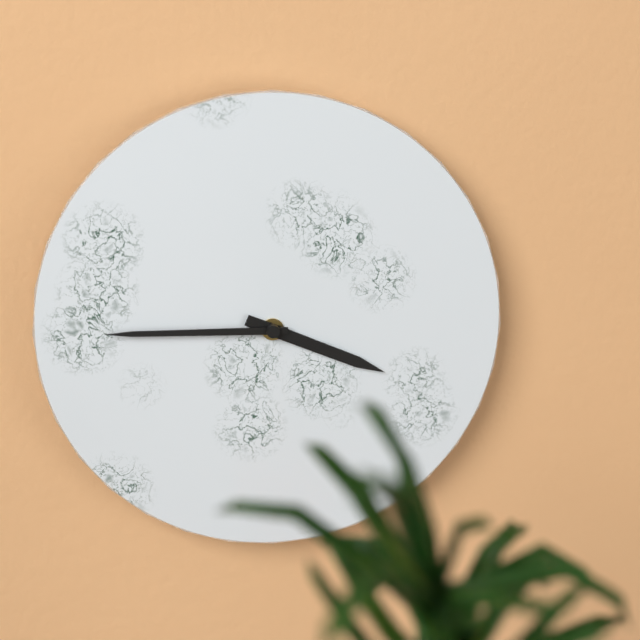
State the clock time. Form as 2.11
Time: 3.45
